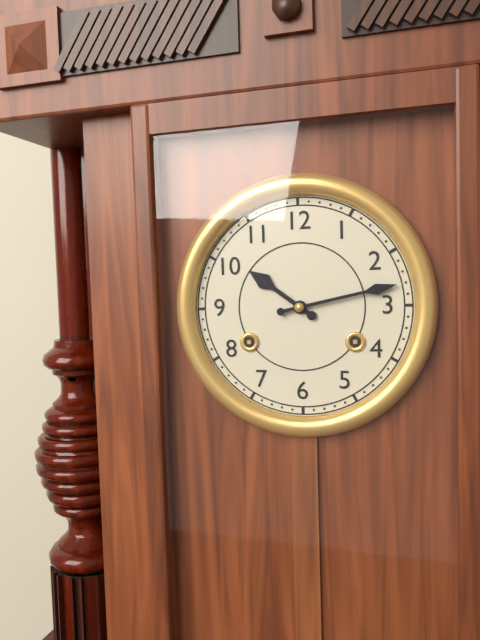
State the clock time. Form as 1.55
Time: 10.13
